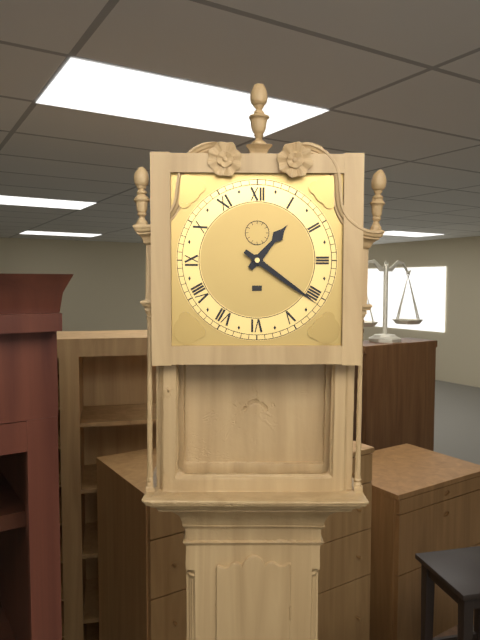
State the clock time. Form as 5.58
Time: 1.21
